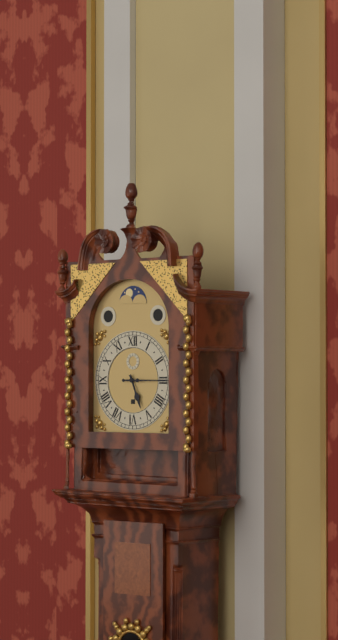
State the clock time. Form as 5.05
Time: 5.15
